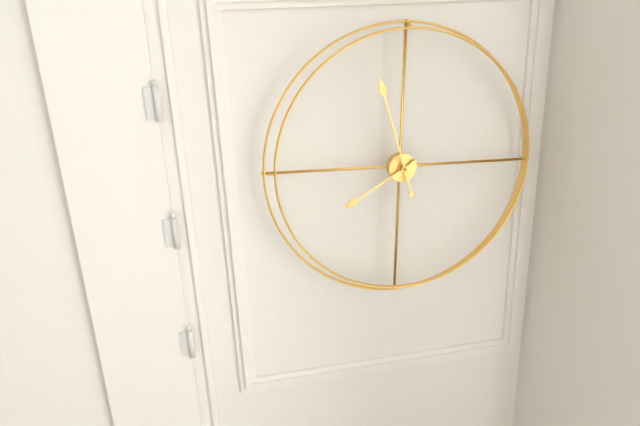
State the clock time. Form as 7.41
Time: 7.57
